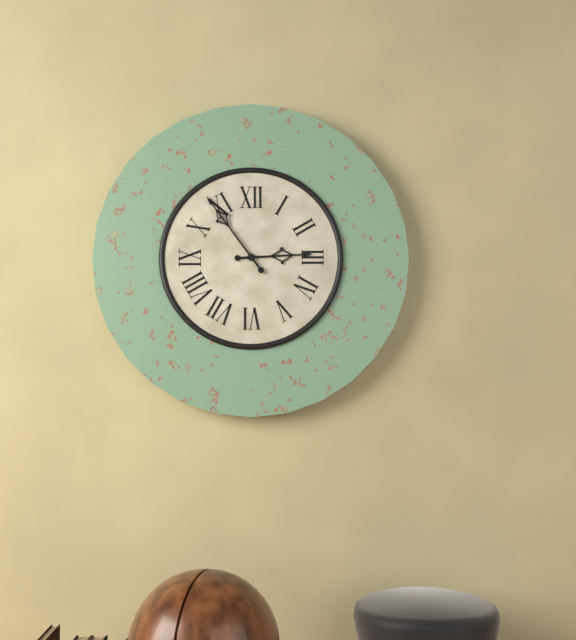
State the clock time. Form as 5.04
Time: 2.54
